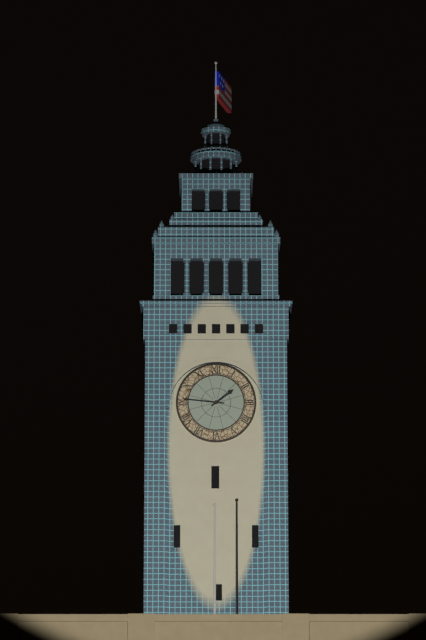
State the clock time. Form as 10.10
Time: 1.46
